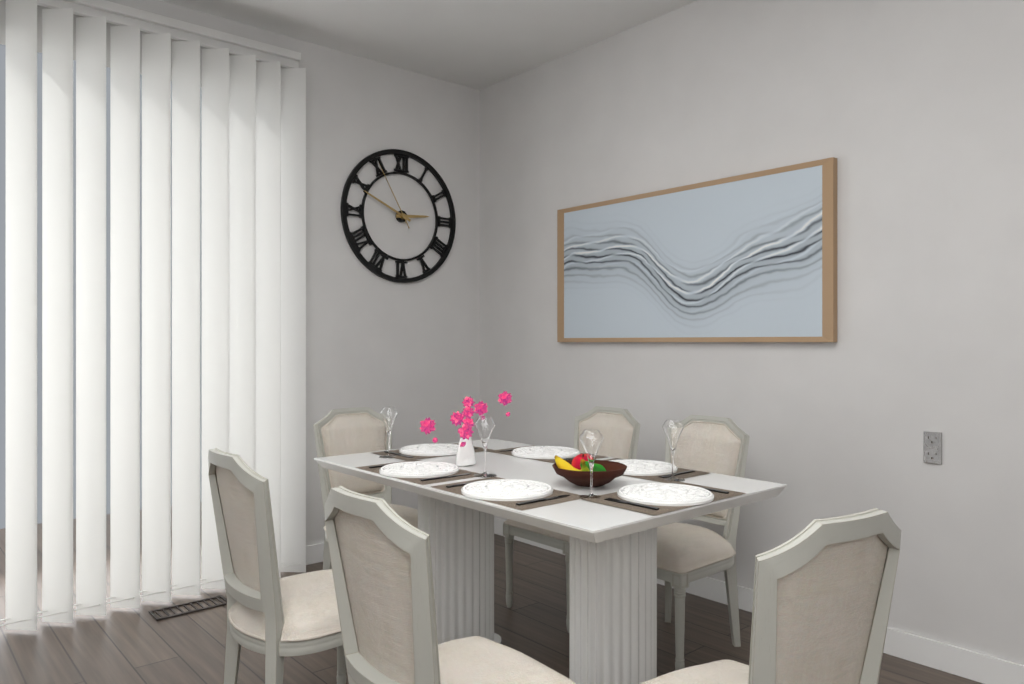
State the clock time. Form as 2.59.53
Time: 2.49.55
